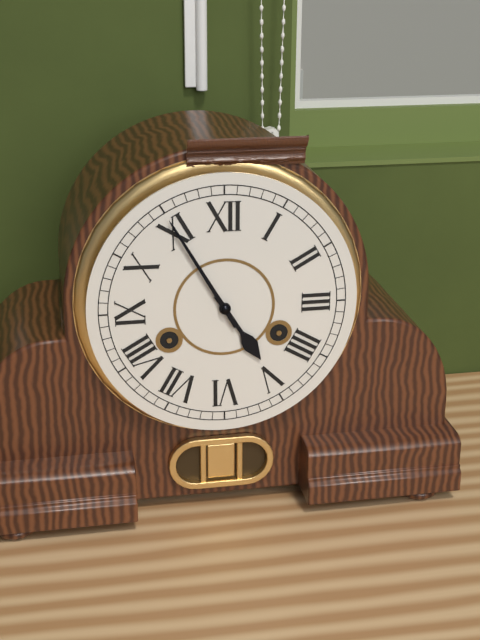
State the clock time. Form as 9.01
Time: 4.55
